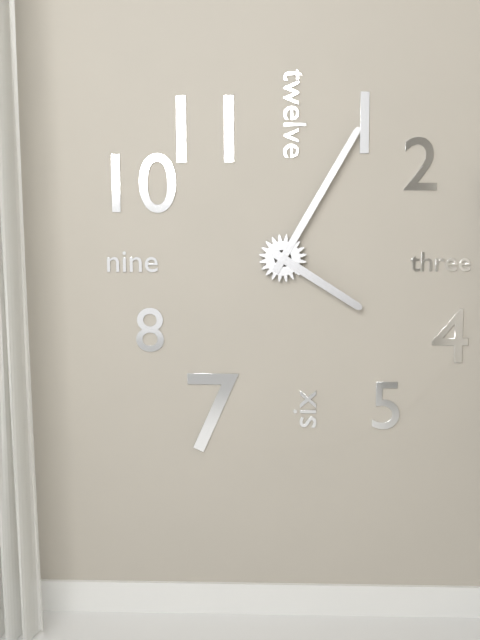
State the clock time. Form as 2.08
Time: 4.05
